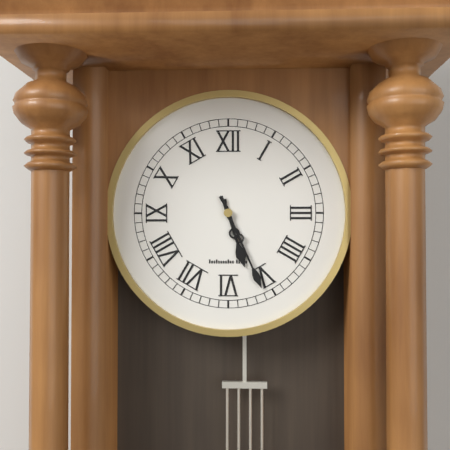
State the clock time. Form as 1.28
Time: 5.26
